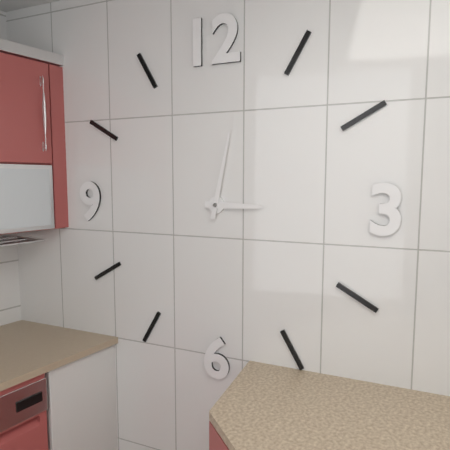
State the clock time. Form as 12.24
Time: 3.02
